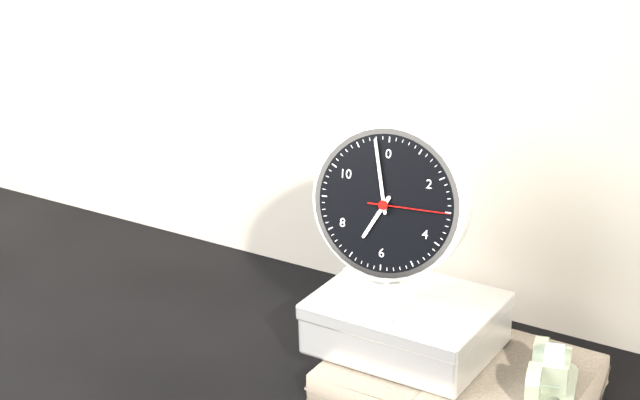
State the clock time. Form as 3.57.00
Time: 6.58.15
